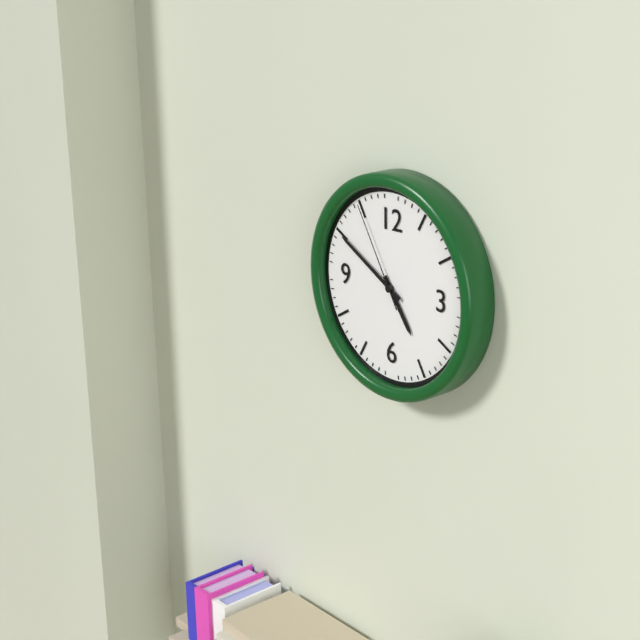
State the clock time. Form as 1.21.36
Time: 4.50.55
